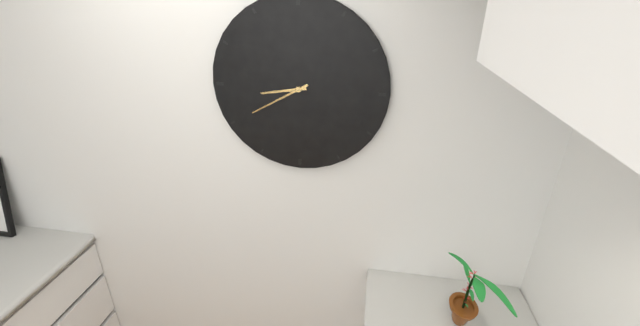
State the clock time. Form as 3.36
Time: 8.40
